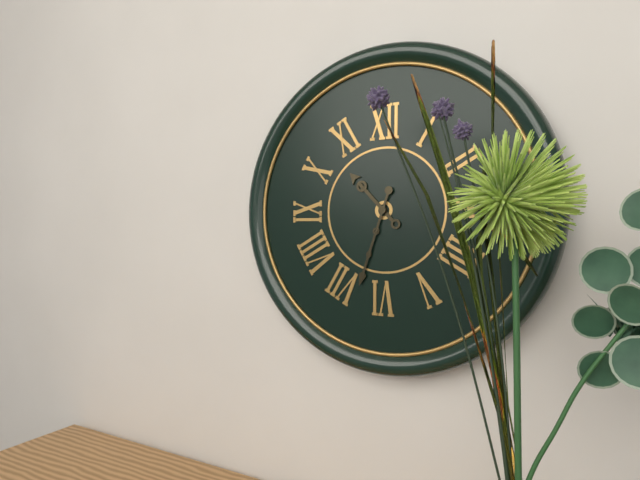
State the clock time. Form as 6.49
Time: 10.33
